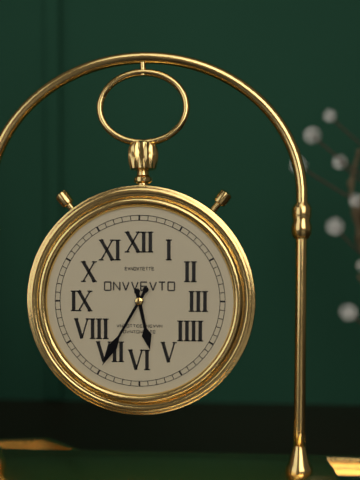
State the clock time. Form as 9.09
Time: 5.35
